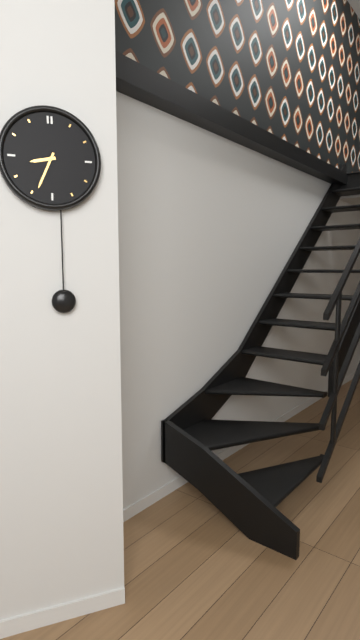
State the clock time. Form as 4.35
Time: 8.34
